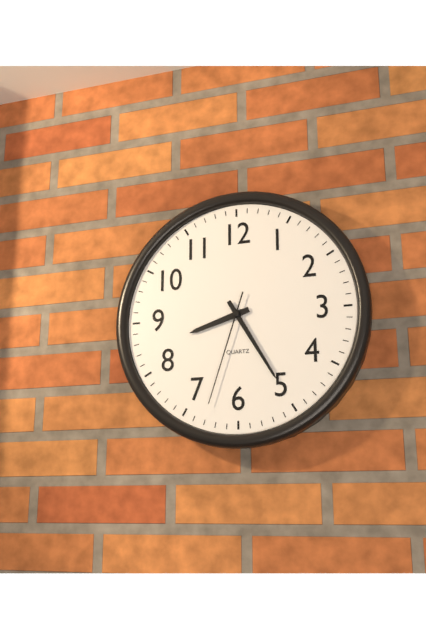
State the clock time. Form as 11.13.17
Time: 8.25.33
